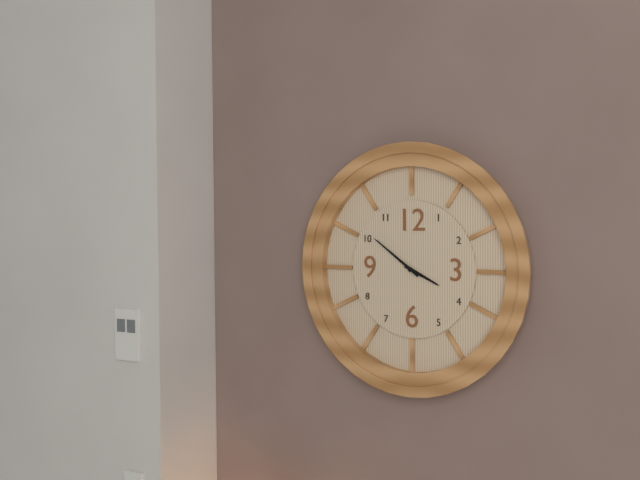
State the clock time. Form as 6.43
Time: 3.51
